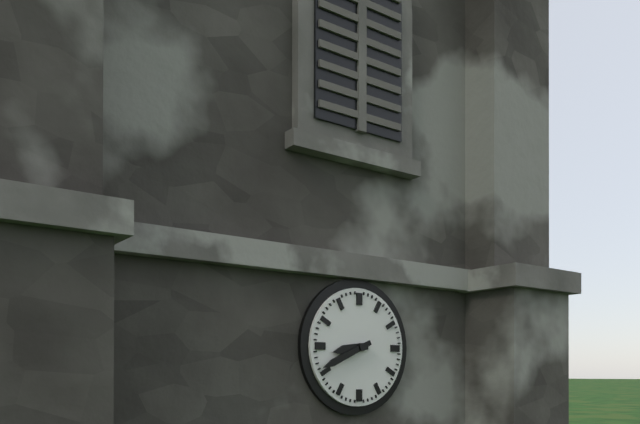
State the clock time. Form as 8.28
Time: 8.41
